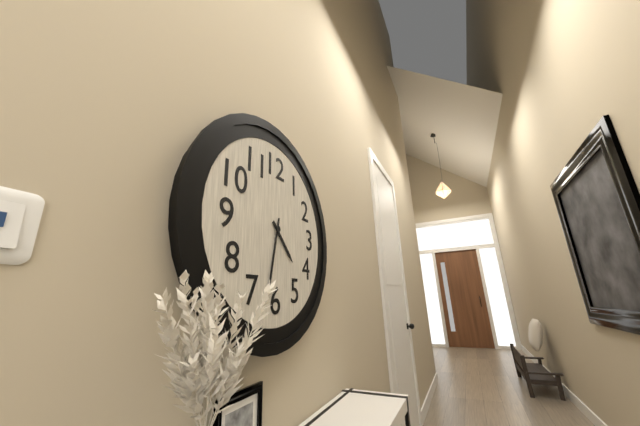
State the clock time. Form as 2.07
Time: 4.32
